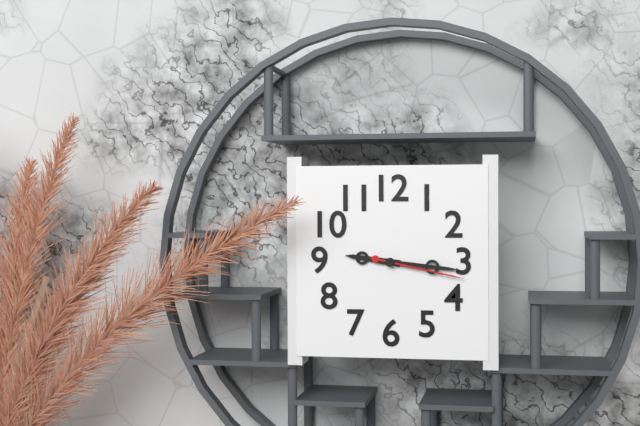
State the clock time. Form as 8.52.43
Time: 9.16.17
